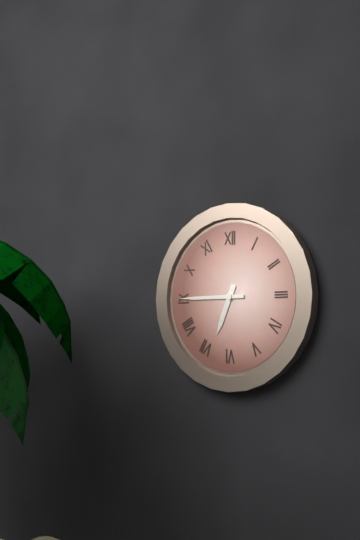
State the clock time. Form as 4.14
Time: 6.45
